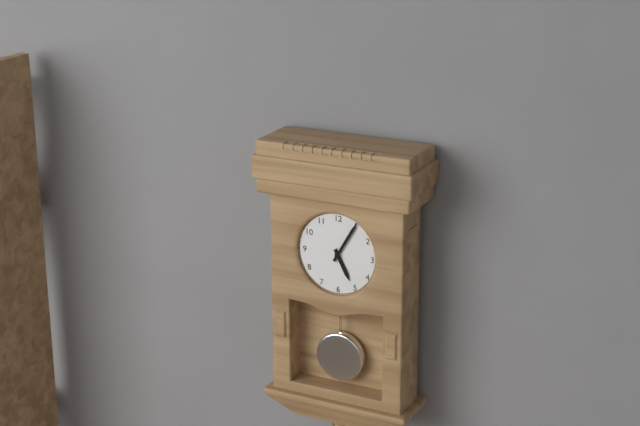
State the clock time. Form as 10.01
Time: 5.05
